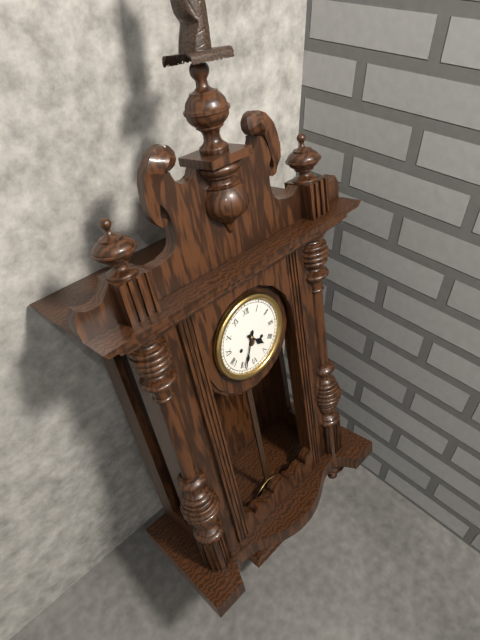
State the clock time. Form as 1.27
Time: 4.34
